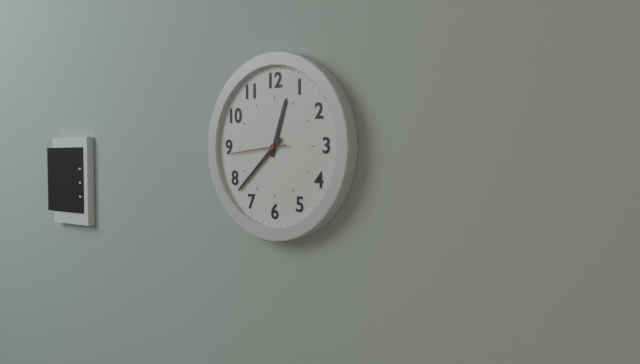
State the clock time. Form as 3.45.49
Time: 12.38.44
